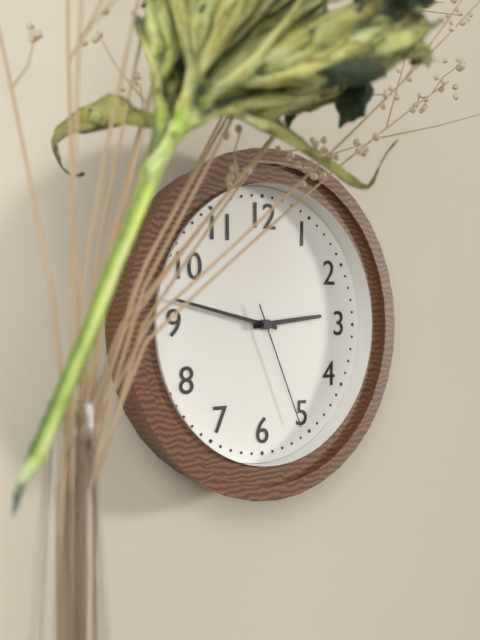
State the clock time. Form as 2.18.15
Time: 2.47.26
